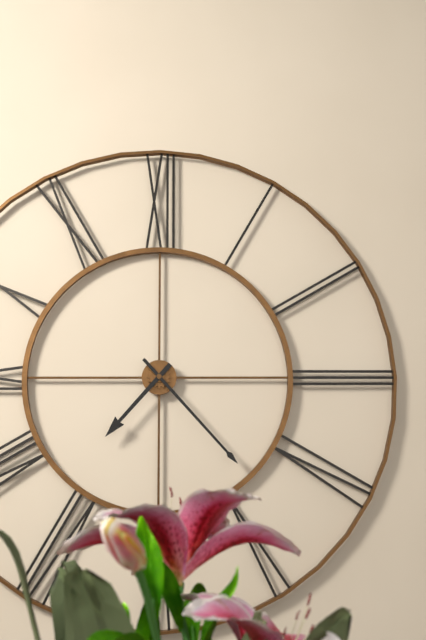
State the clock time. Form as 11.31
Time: 7.23
